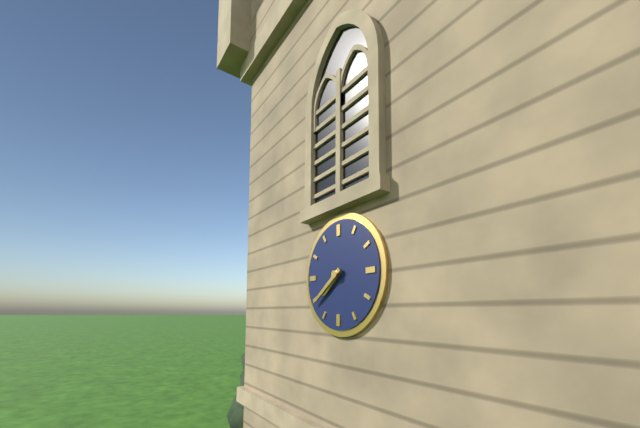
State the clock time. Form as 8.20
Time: 7.39
